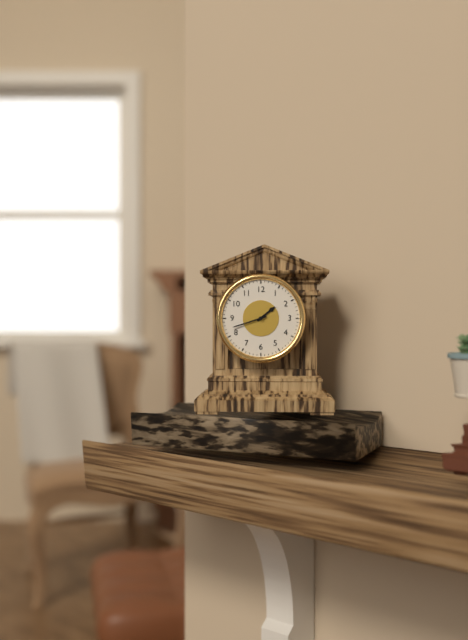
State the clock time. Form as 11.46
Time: 1.42
